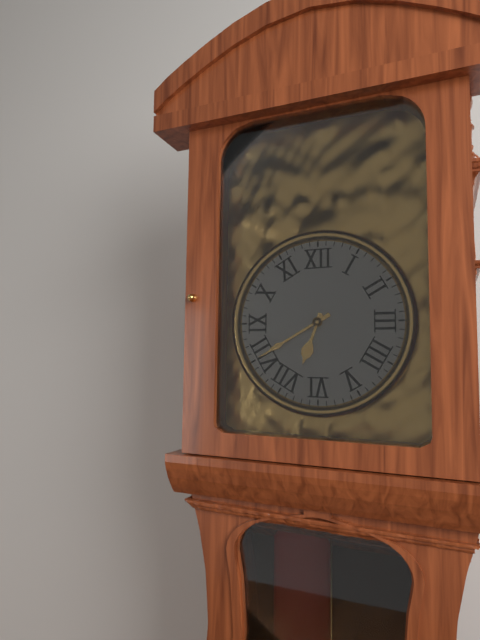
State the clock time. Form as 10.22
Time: 6.40
